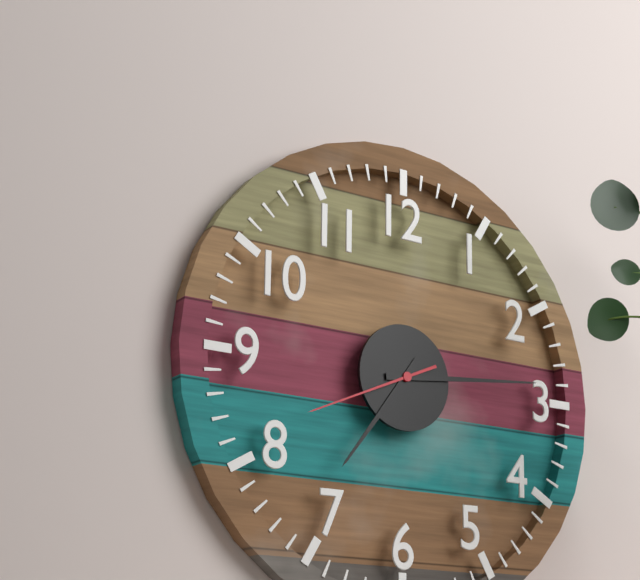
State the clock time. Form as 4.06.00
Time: 7.14.41
